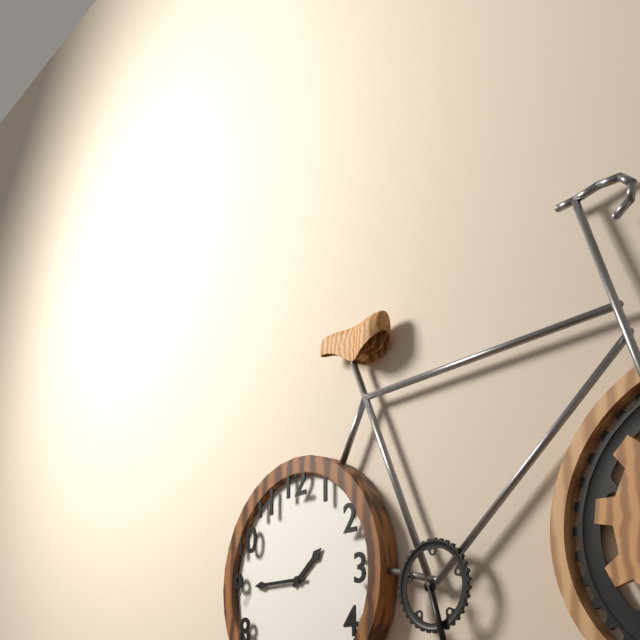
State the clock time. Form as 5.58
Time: 1.45
